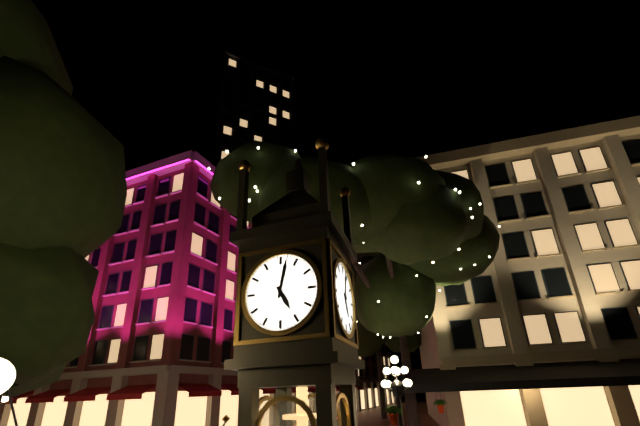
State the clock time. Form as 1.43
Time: 5.02
